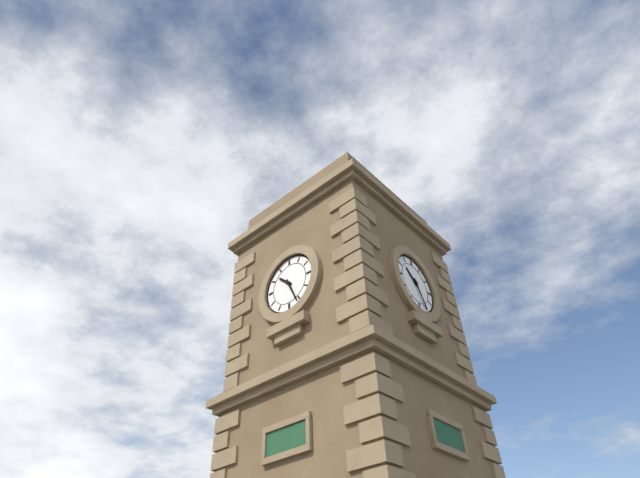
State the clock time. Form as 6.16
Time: 10.26
